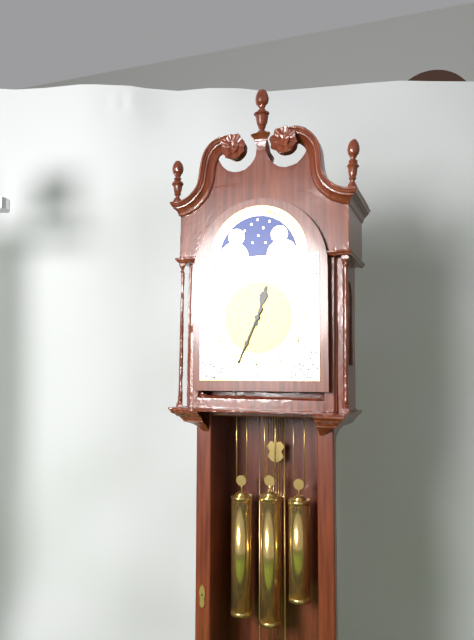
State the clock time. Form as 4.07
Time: 12.34
